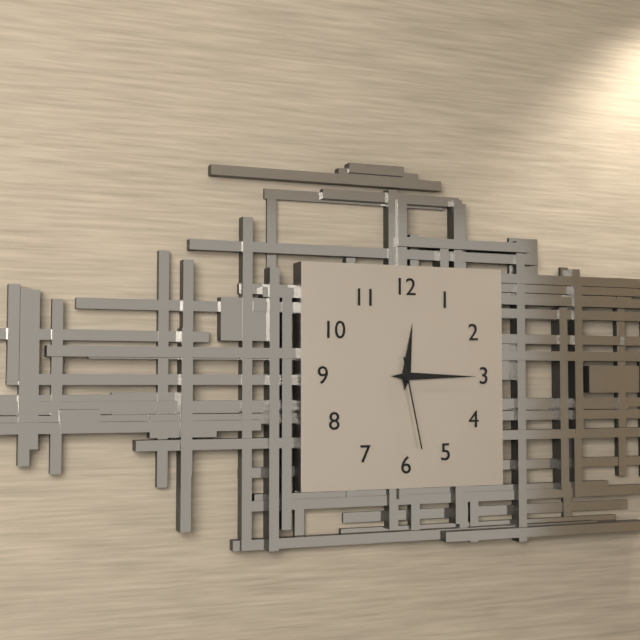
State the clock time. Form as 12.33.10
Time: 12.15.28
